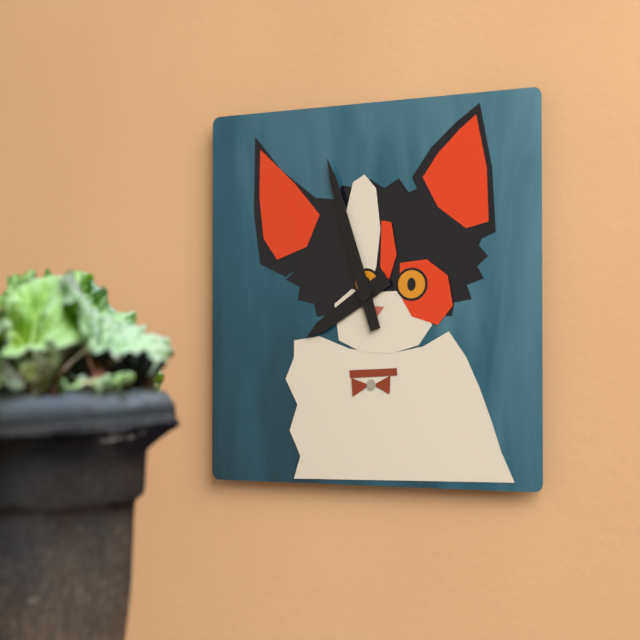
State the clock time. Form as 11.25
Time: 7.57
